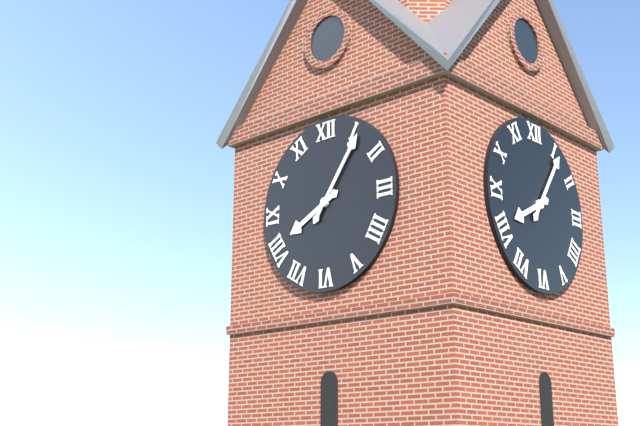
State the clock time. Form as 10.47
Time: 8.06
